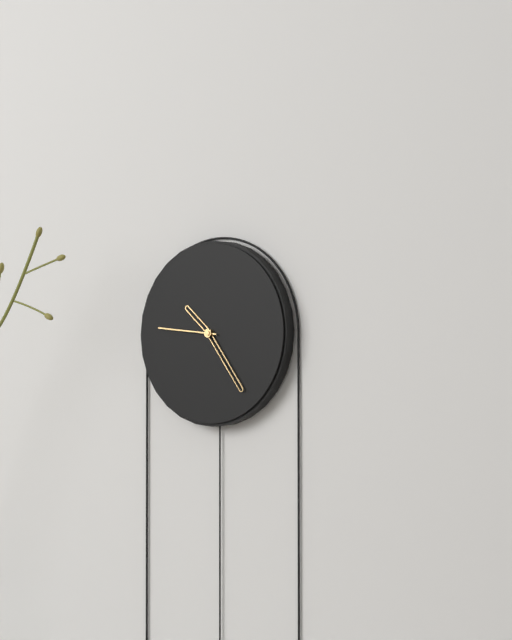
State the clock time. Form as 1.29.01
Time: 10.24.46
